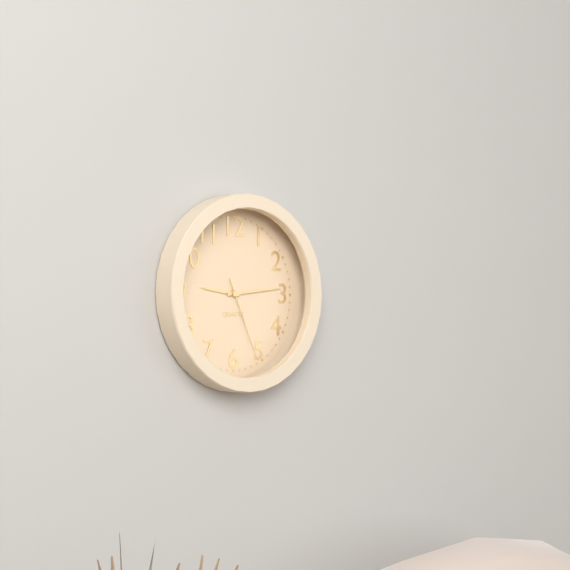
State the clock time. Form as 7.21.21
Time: 9.14.26
